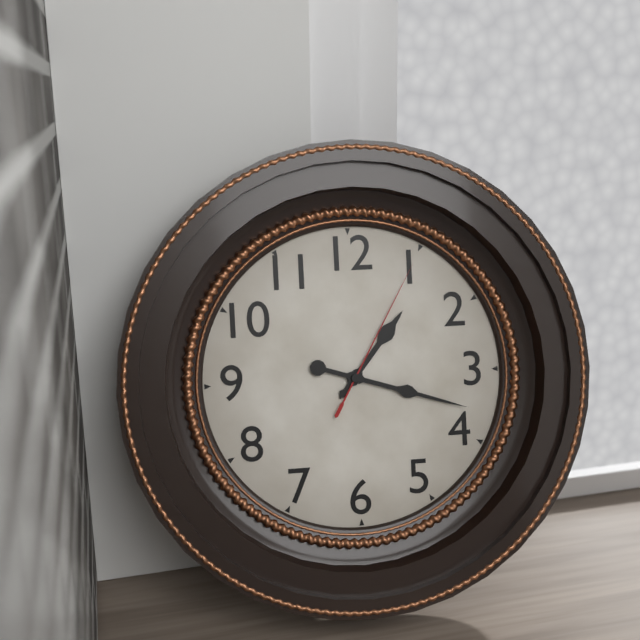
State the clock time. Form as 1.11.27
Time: 1.18.05
